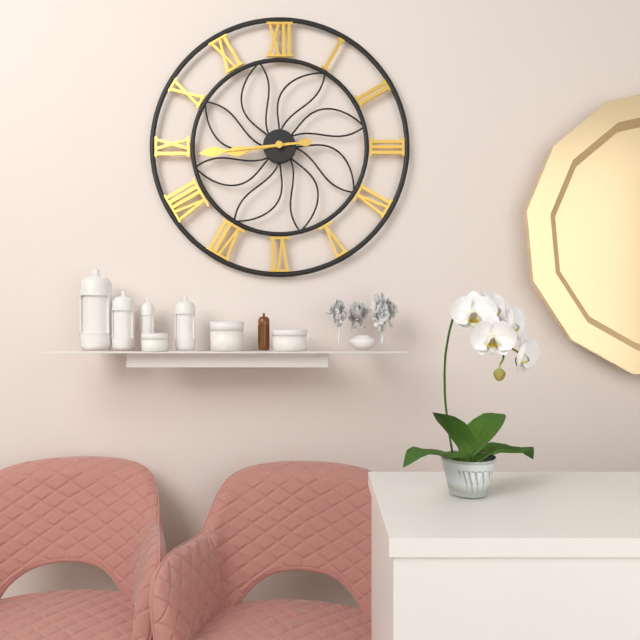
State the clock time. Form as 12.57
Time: 8.44
